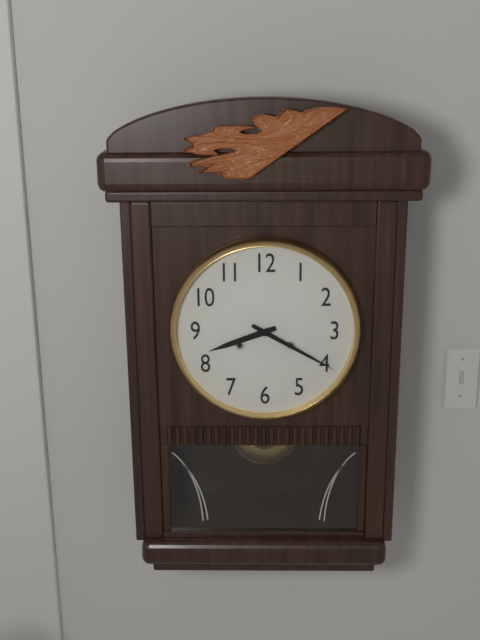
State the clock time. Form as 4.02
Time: 8.20
